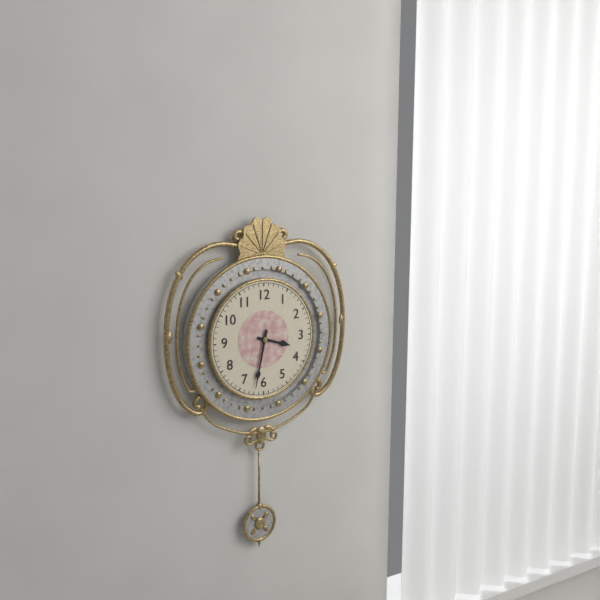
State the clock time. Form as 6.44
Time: 3.32
